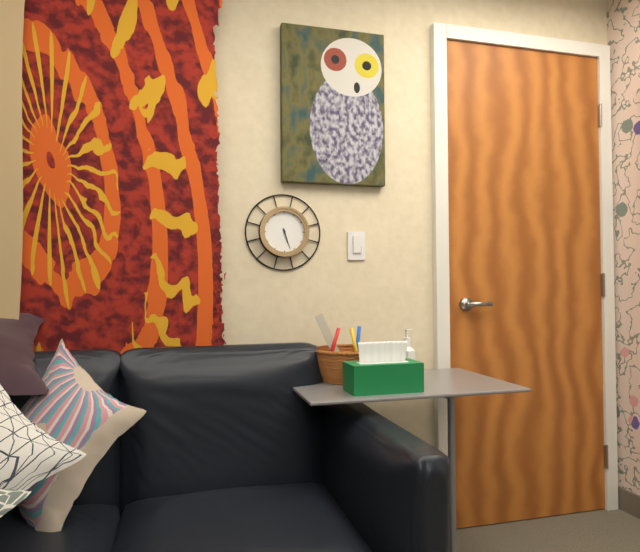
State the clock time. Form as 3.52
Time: 5.27
